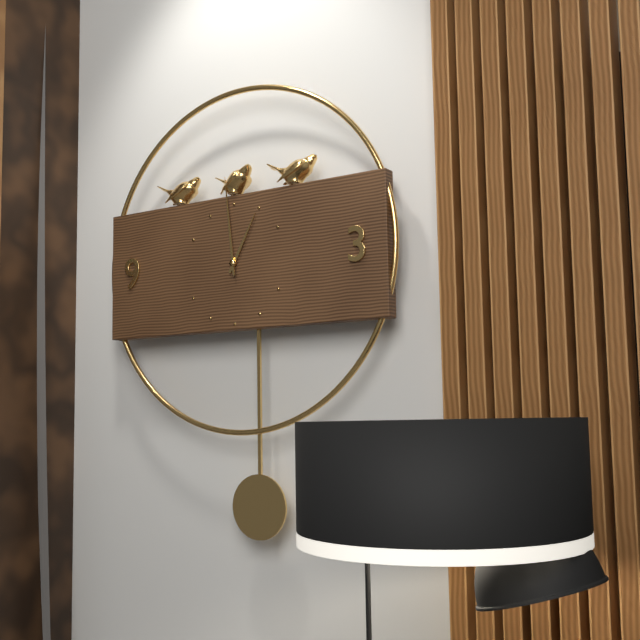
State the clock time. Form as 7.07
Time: 12.59
